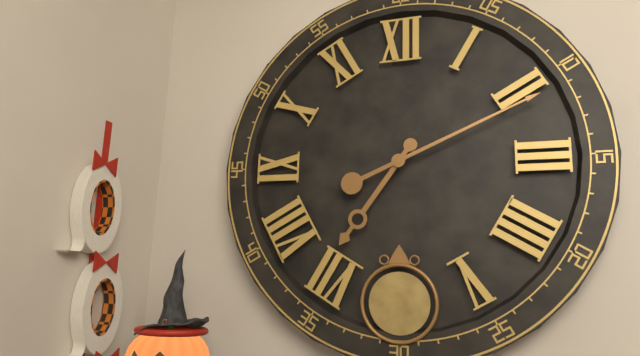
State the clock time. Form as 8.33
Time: 7.11
